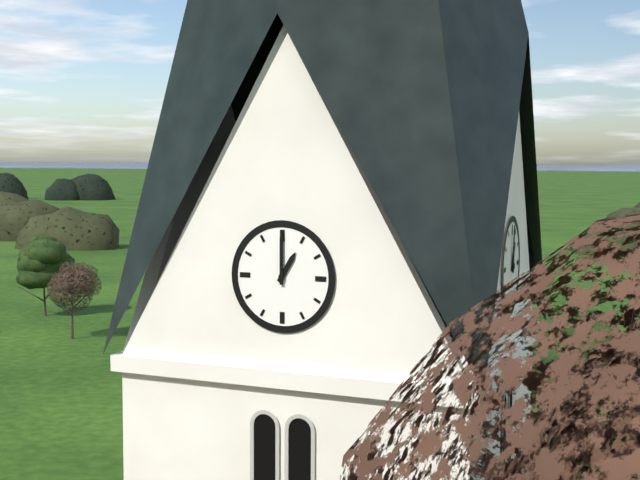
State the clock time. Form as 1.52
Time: 1.00
